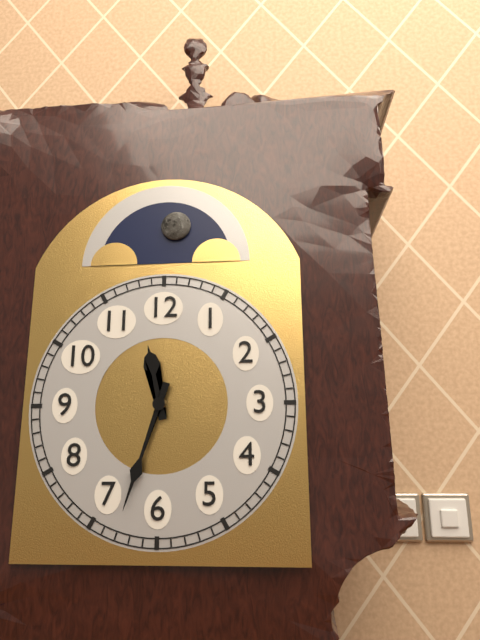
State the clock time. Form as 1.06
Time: 11.33
